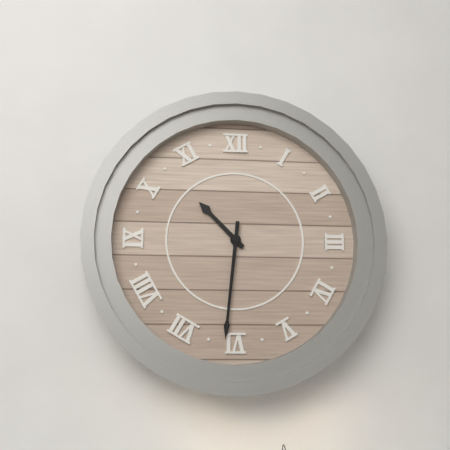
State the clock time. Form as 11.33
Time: 10.31
